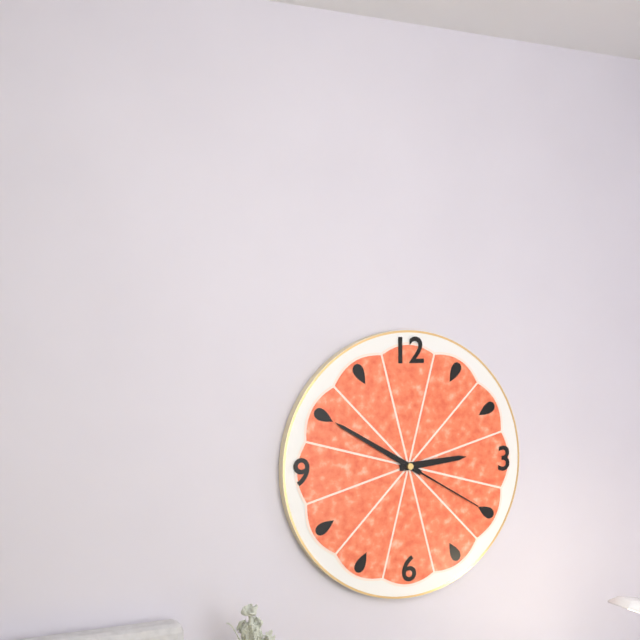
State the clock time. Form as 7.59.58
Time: 2.50.20
